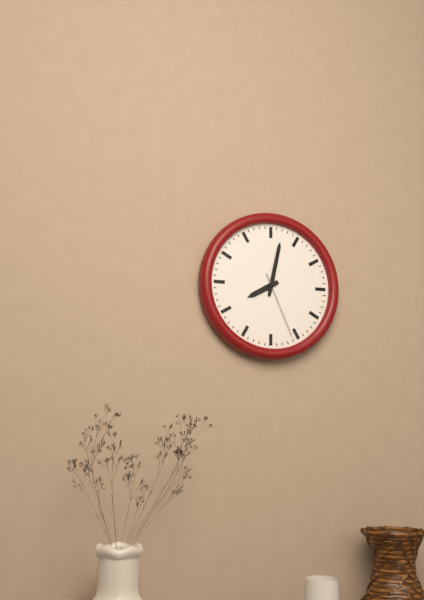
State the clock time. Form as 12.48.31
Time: 8.02.26
